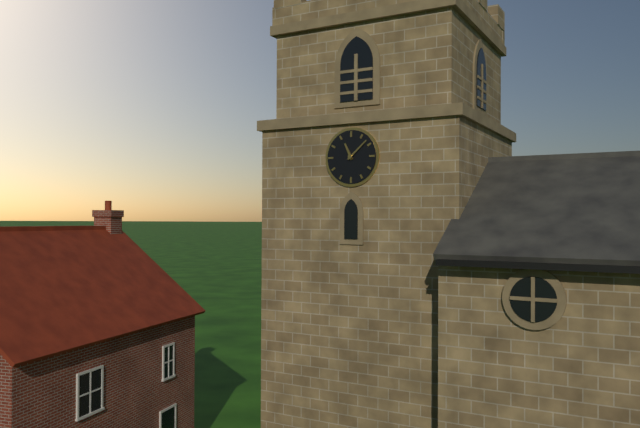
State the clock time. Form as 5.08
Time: 11.08
